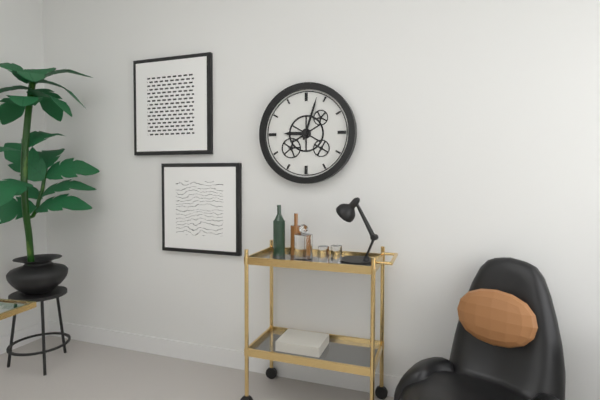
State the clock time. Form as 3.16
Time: 9.03
